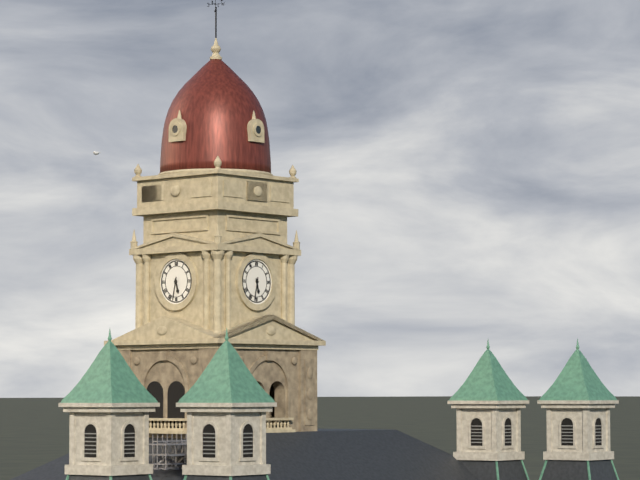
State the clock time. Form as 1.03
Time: 5.32
